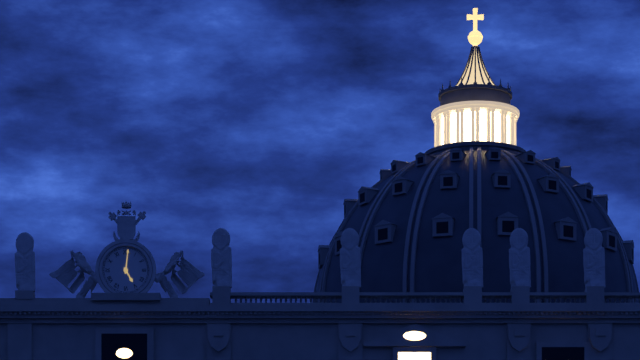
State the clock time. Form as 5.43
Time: 5.01
